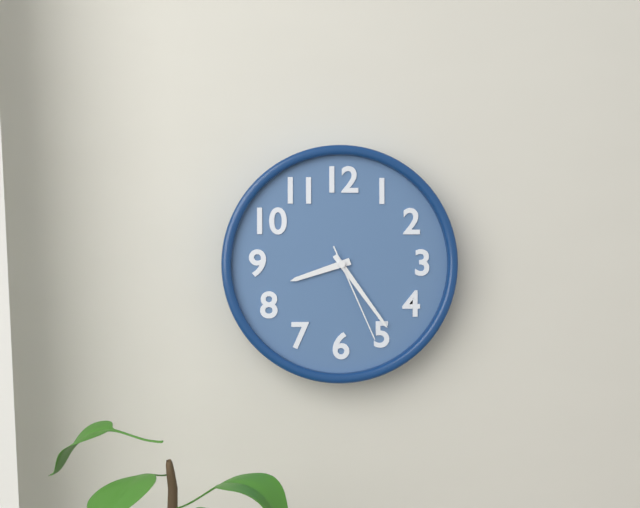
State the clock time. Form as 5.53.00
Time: 8.24.26
